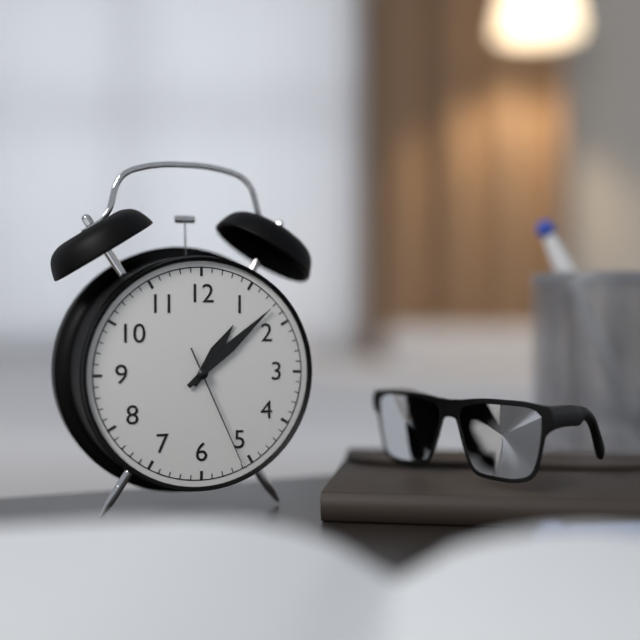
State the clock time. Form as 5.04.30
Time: 1.08.26
